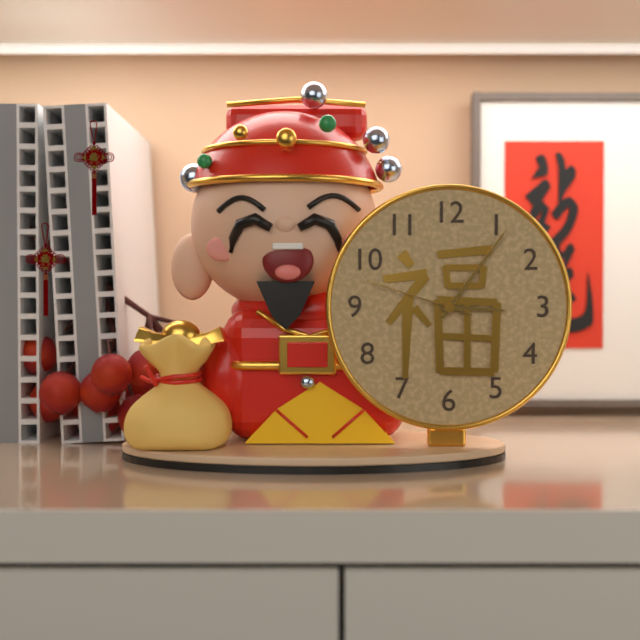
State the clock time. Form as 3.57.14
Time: 3.06.48
